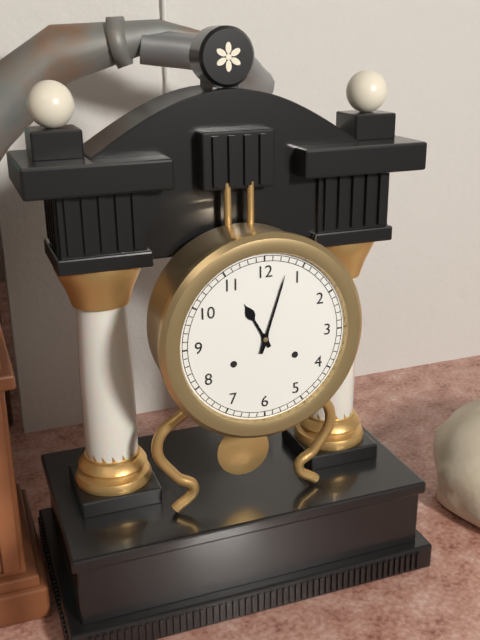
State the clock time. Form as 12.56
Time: 11.03
